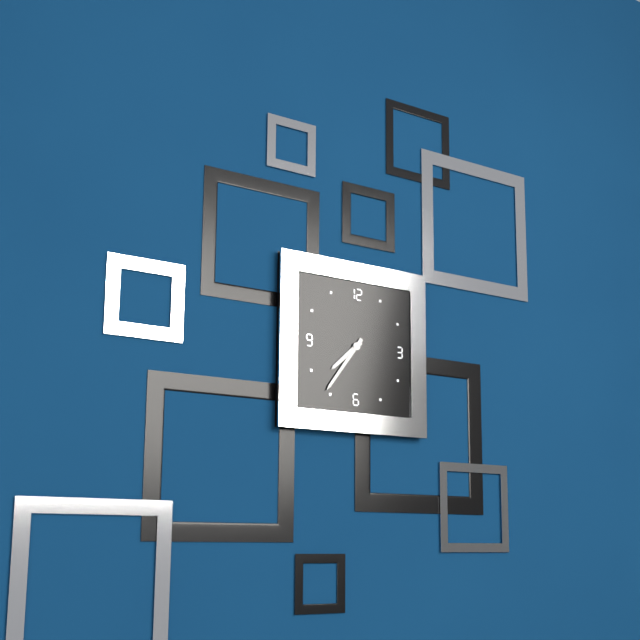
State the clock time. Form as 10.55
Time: 7.36
